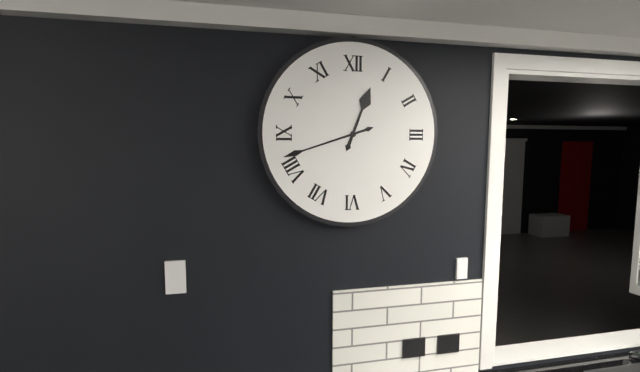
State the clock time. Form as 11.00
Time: 12.42
